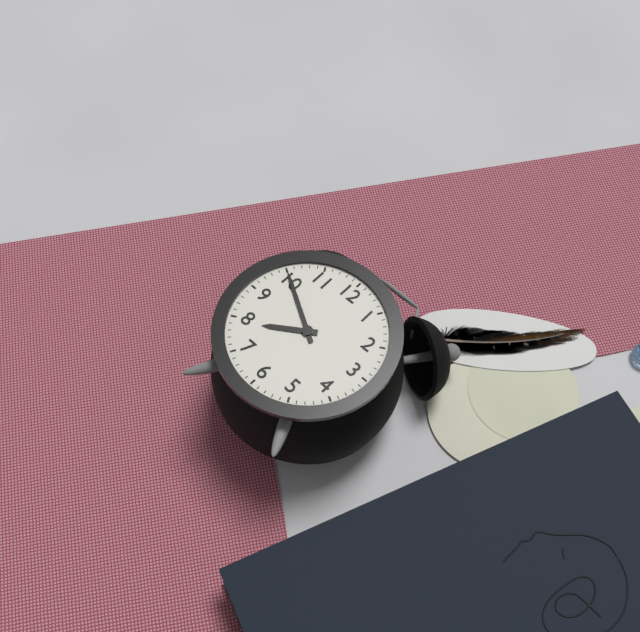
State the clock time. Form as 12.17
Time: 7.50
